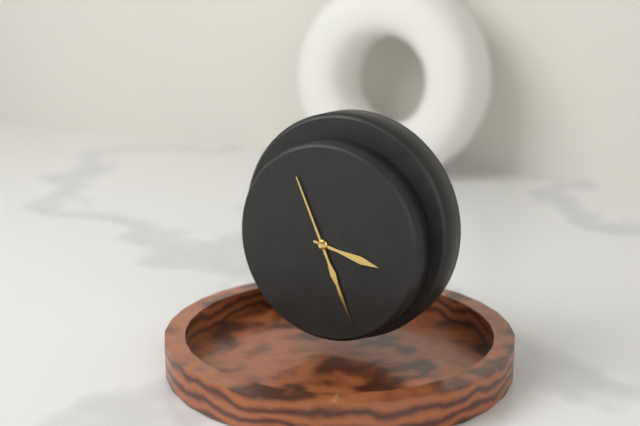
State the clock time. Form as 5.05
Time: 3.26
